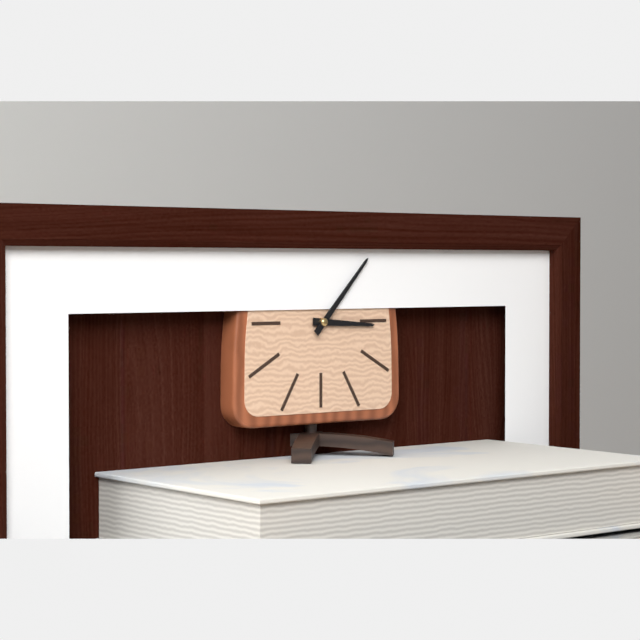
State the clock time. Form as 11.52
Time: 3.07
